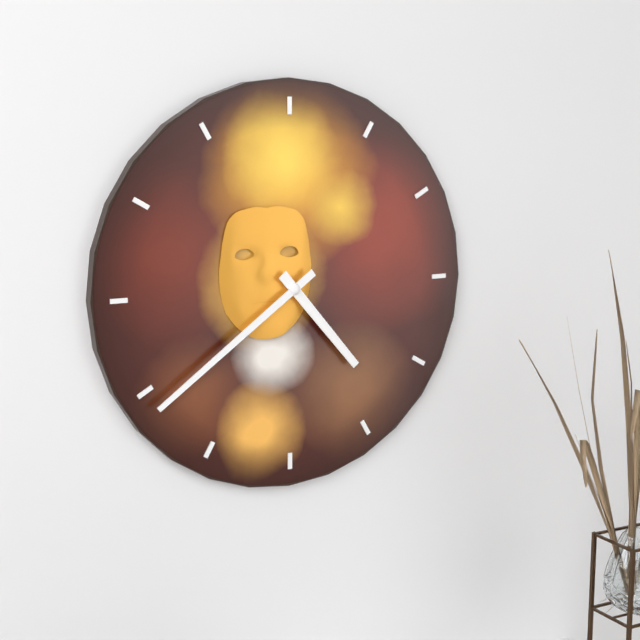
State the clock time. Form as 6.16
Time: 4.39
